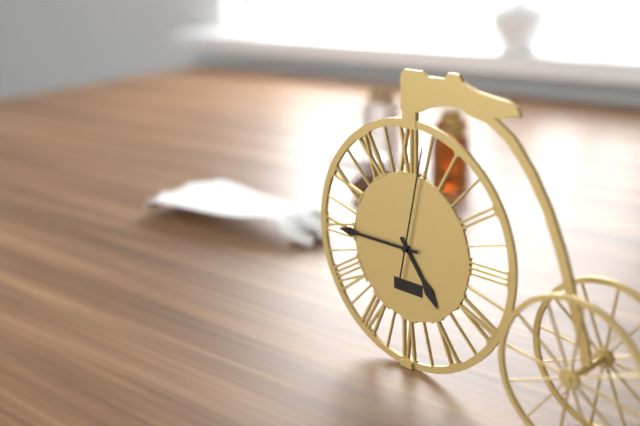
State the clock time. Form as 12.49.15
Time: 4.45.02
